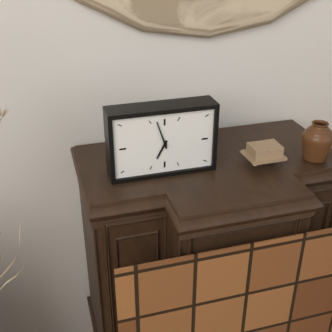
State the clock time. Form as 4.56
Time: 6.57
